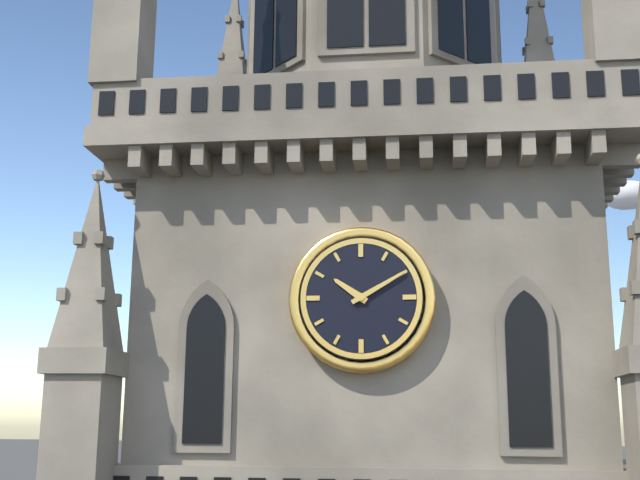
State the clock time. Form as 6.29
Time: 10.10
